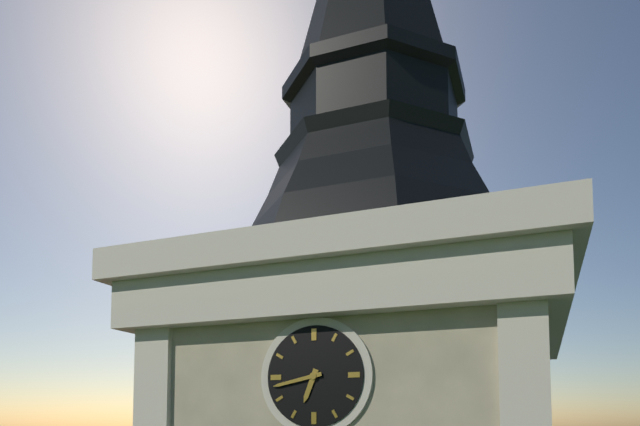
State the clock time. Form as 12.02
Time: 6.43
